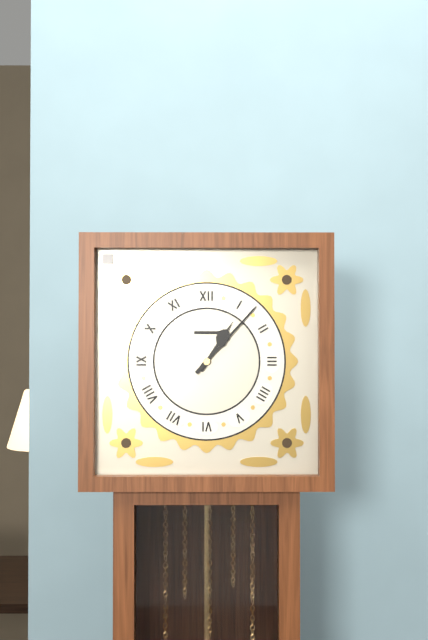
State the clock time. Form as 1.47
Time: 1.07
